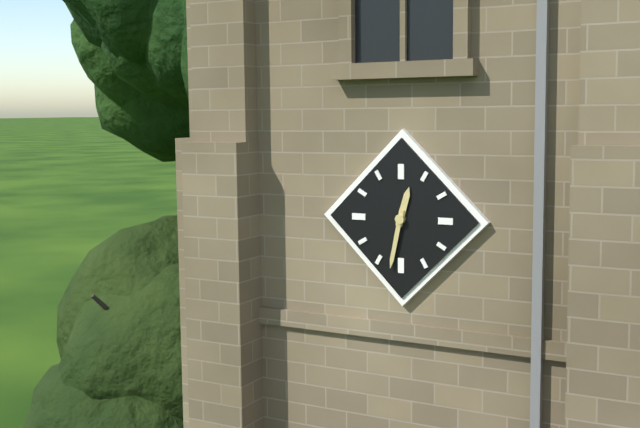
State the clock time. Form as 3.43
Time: 12.32
